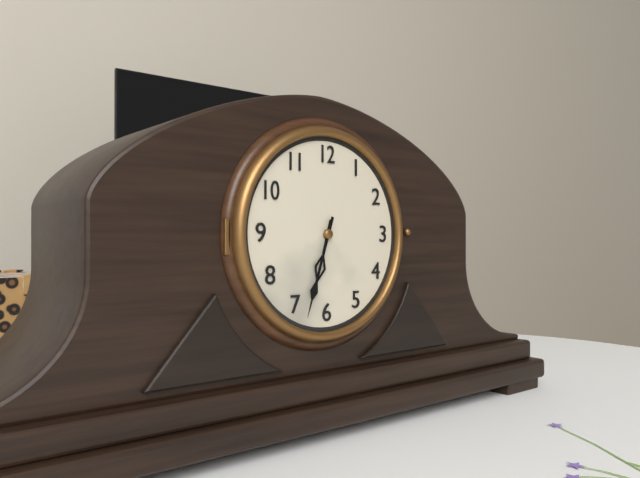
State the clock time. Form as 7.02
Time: 6.33
